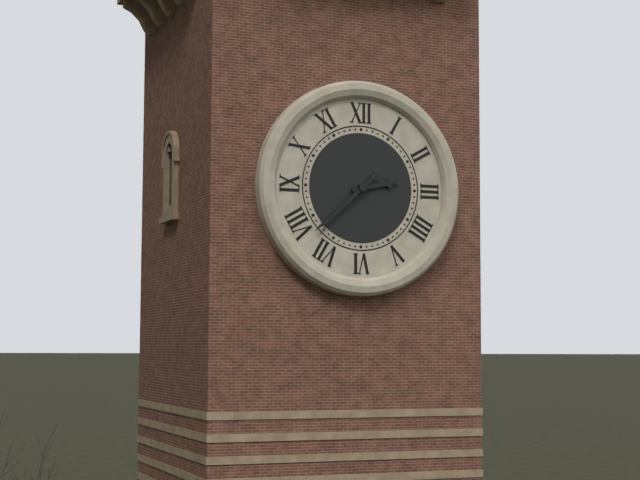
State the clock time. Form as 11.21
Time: 2.38
